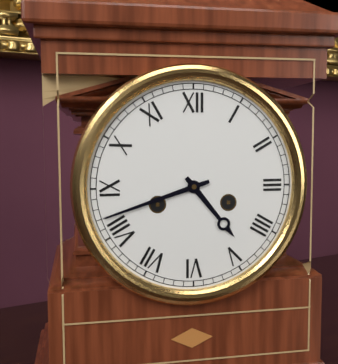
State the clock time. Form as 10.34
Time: 4.42
